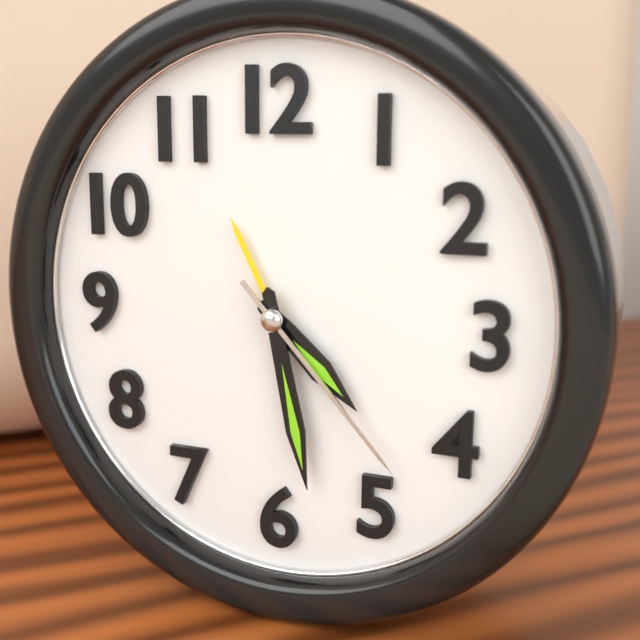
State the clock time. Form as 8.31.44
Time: 4.28.23
